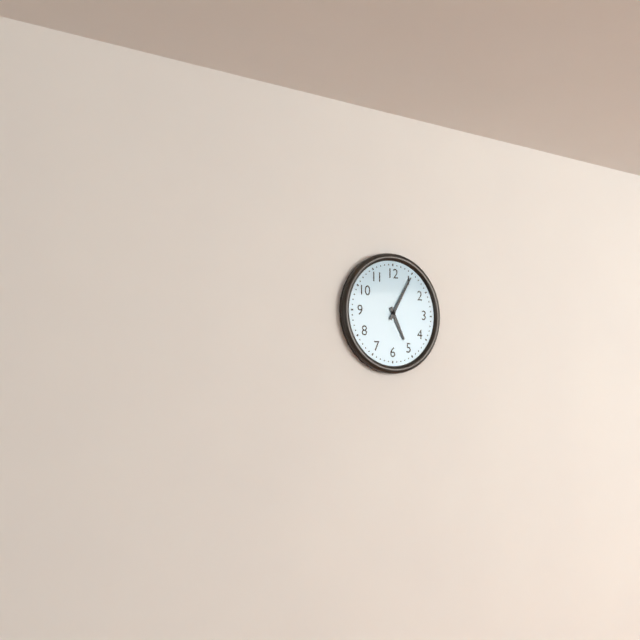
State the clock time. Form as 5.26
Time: 5.05
